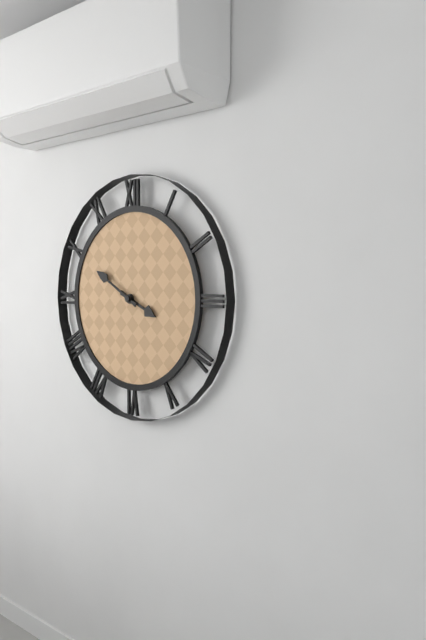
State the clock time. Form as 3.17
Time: 3.50
